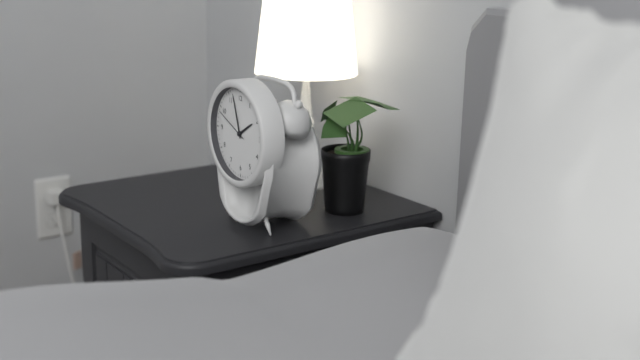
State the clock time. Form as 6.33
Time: 1.57
